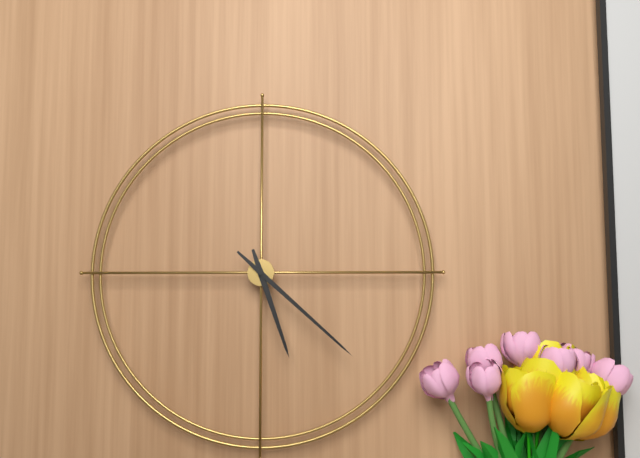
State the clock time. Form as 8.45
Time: 5.22
